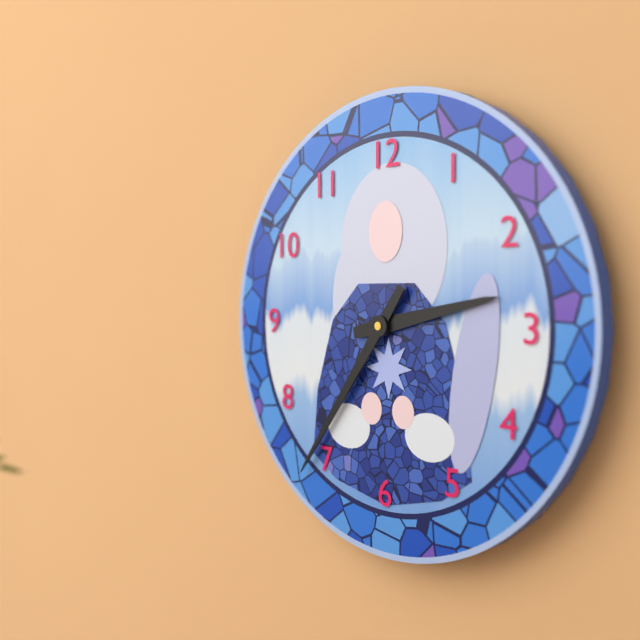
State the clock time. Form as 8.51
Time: 2.36
